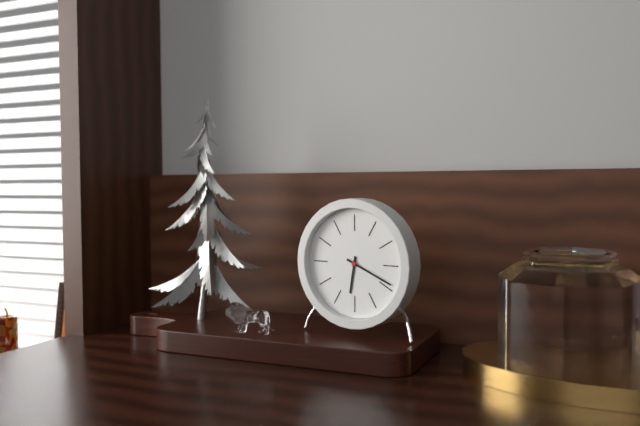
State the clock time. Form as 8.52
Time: 6.19
